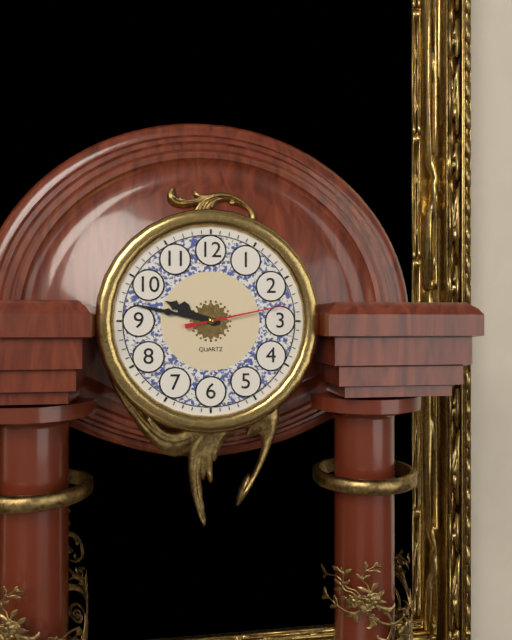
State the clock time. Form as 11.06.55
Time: 9.47.13
